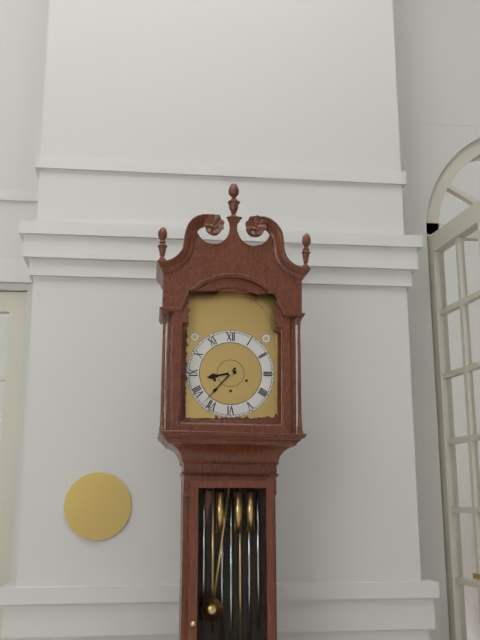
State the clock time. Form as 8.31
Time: 8.37
